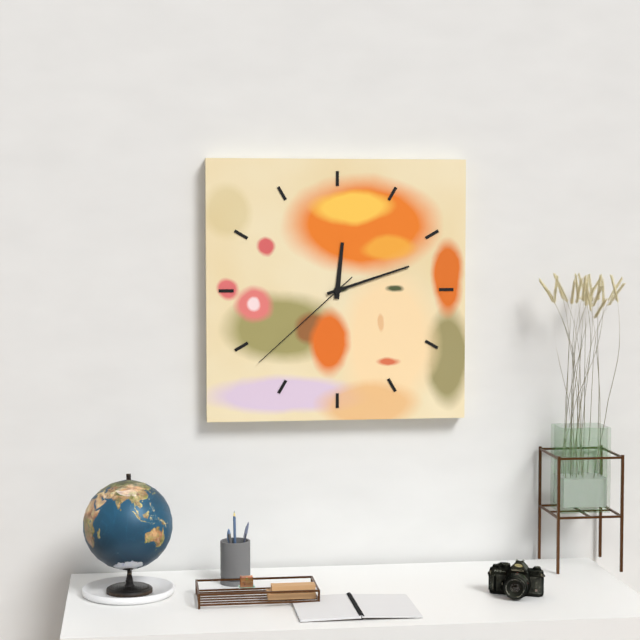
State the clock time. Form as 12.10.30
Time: 12.12.38
